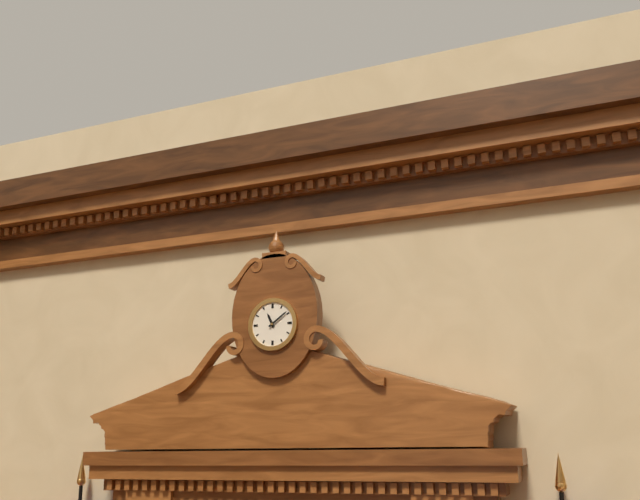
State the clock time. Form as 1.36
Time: 11.09
